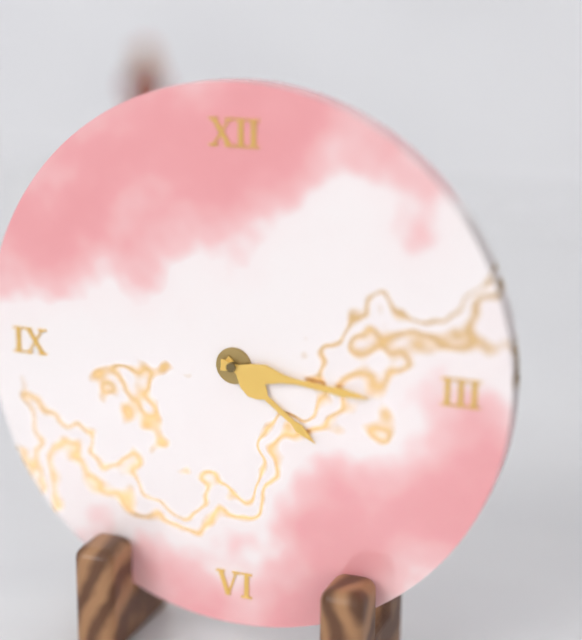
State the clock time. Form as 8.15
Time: 4.16
